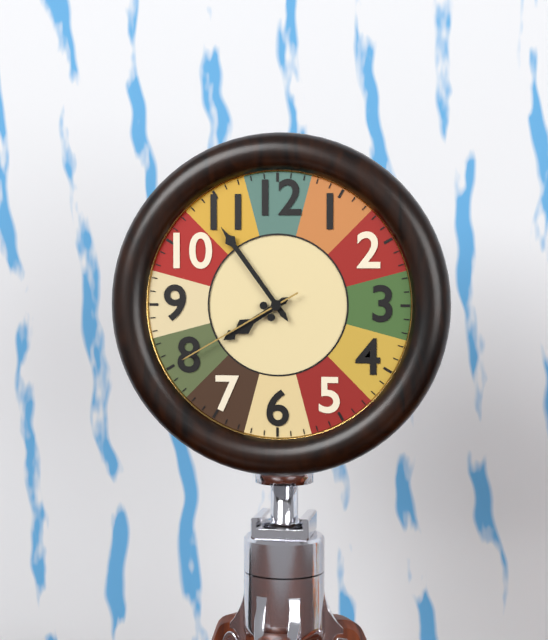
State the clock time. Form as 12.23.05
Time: 7.54.40
